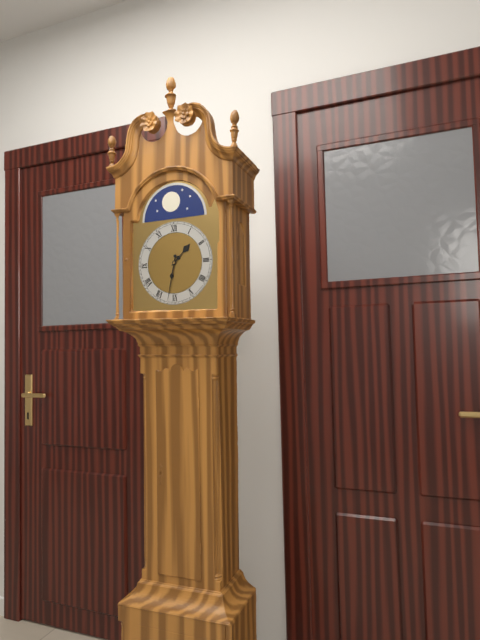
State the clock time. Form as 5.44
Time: 1.32
